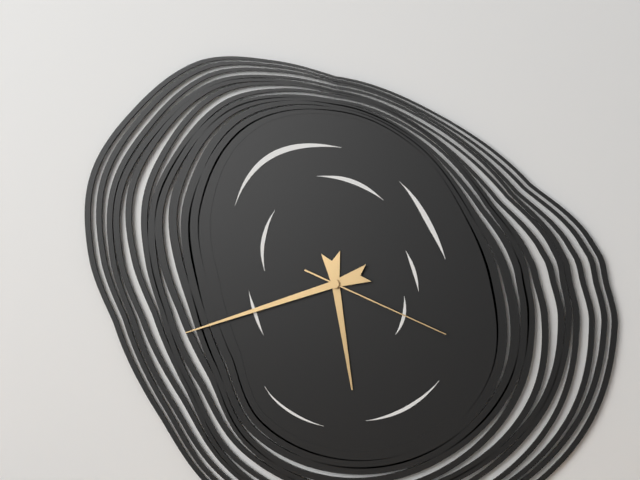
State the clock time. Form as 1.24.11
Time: 5.42.19
